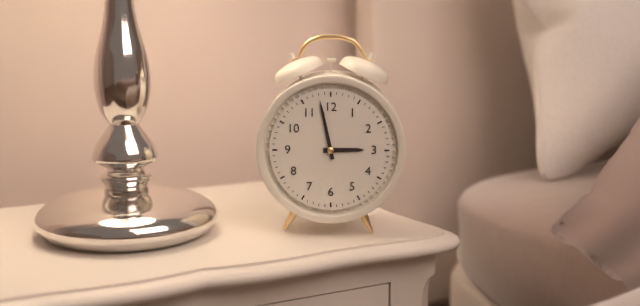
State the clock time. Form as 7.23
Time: 2.58
